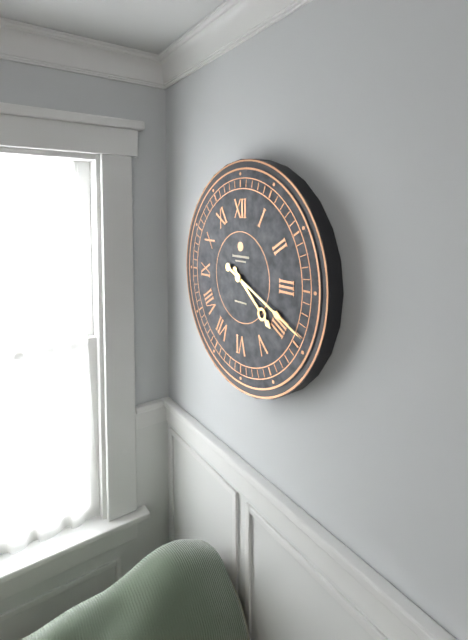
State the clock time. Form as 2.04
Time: 4.19
